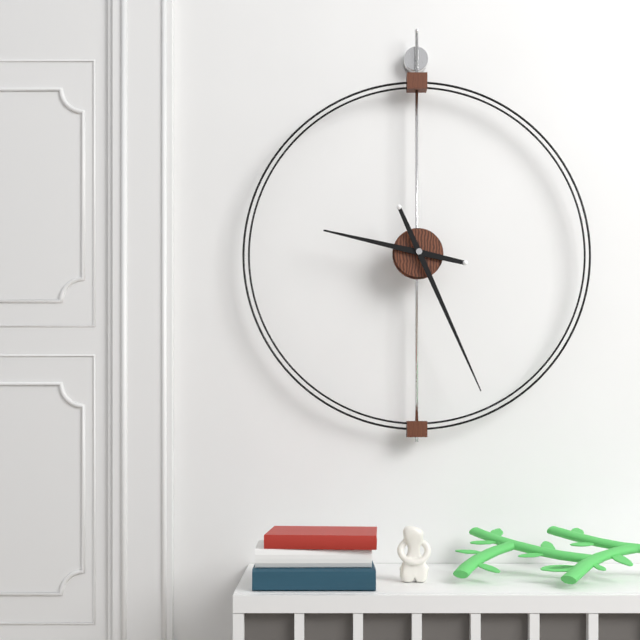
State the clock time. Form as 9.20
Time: 9.26
